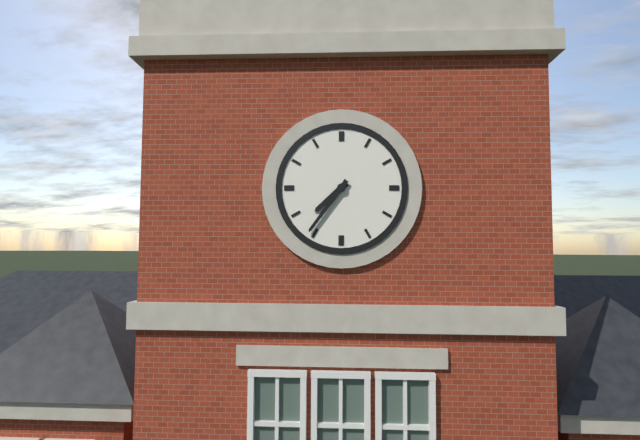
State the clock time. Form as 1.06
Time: 7.36
